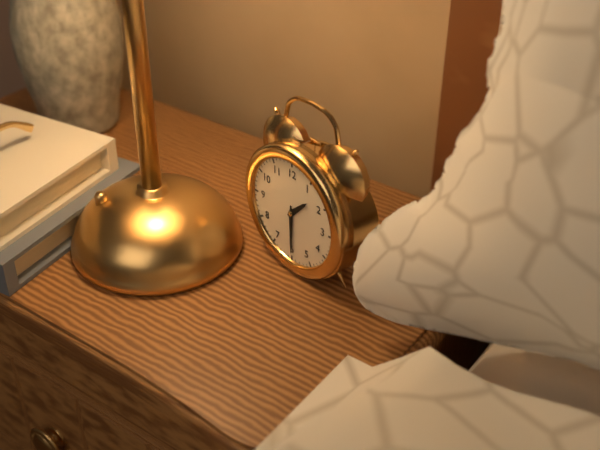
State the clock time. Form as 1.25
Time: 1.30
